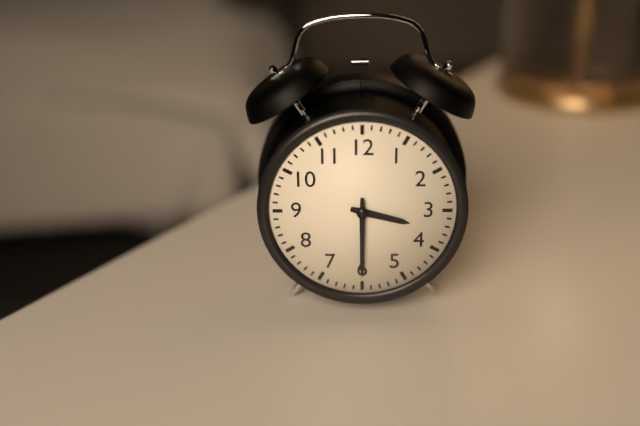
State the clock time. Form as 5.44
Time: 3.30
